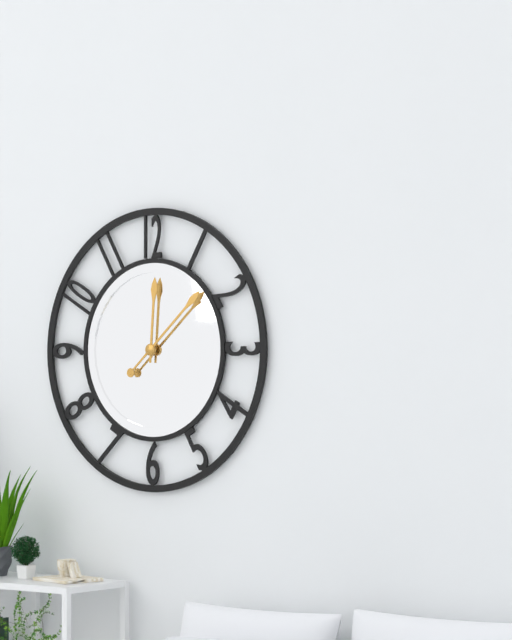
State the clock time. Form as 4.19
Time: 12.08
